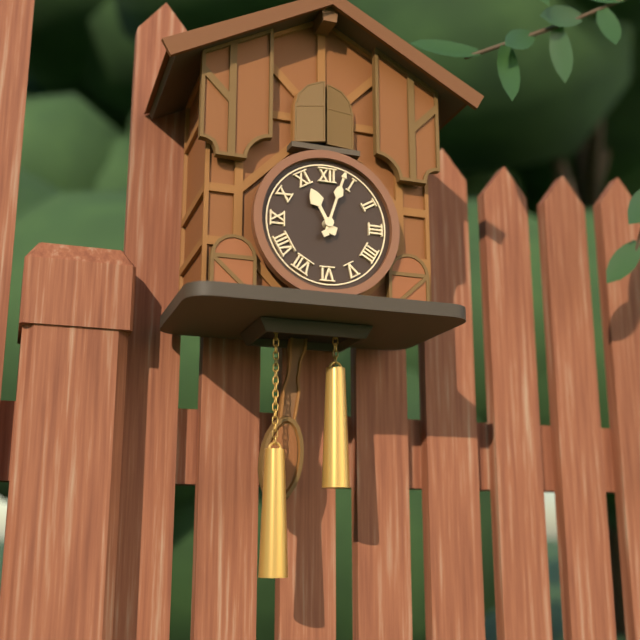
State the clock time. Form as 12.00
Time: 11.03
